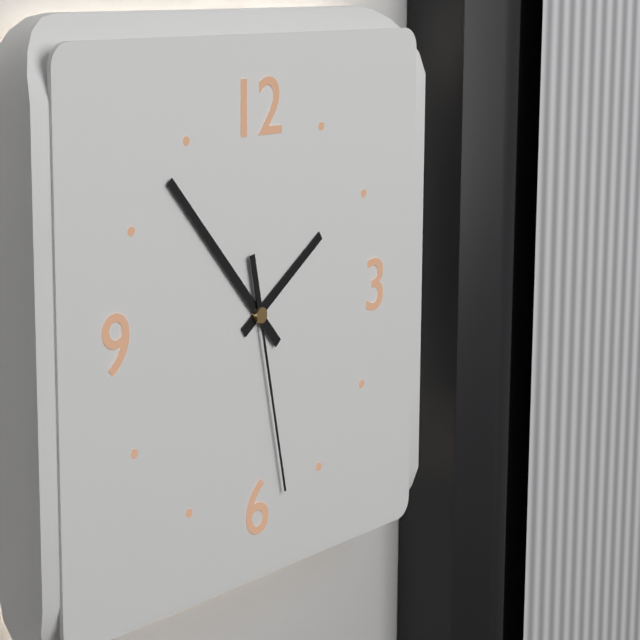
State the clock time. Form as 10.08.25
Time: 1.53.28
